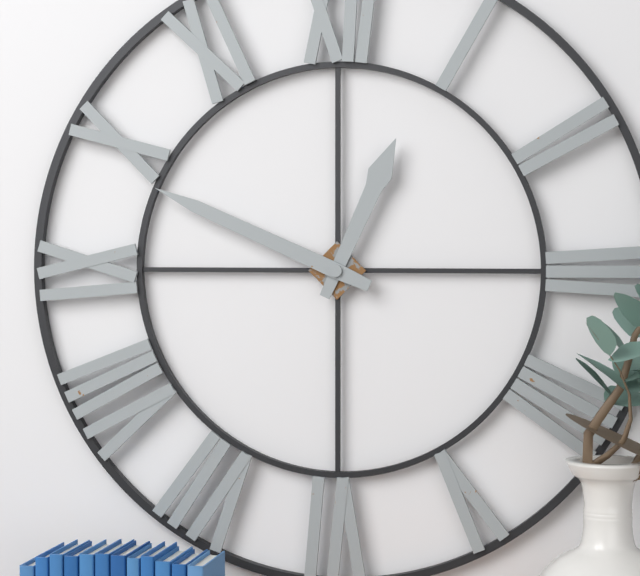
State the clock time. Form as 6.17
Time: 12.49
